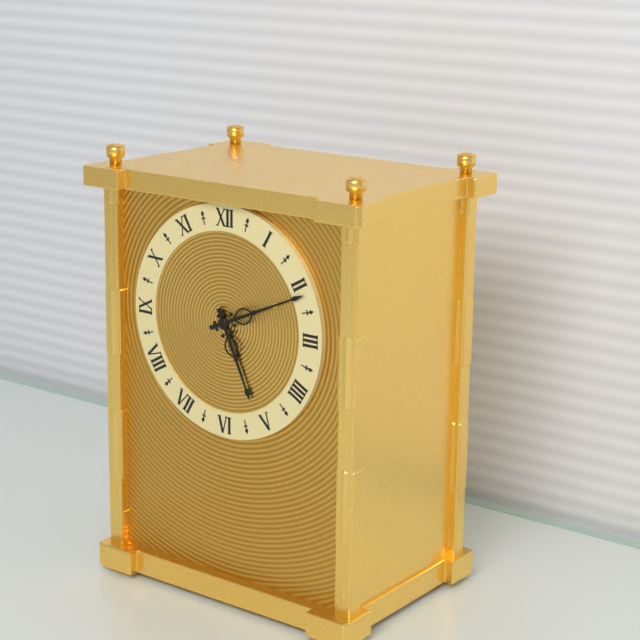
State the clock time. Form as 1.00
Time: 5.11
